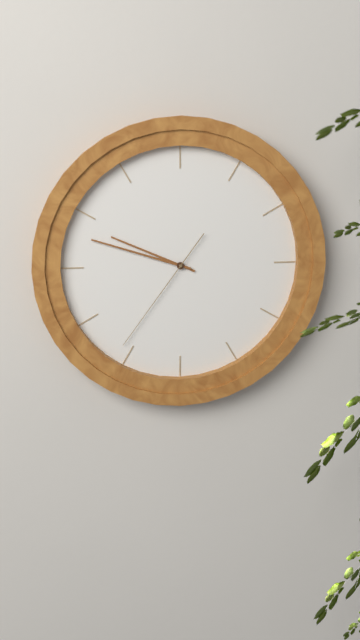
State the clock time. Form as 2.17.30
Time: 9.48.36
